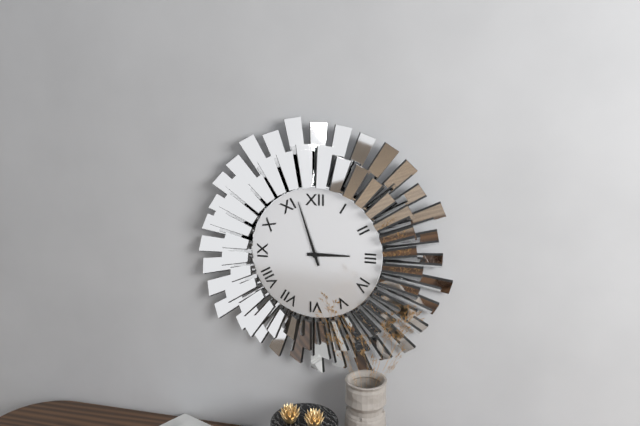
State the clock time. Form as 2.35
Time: 2.57
